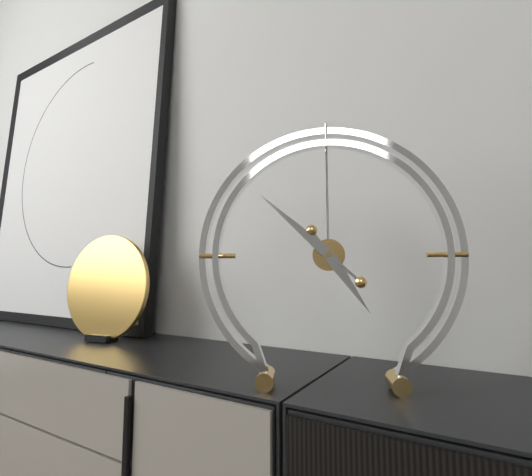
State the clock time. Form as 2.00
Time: 4.52
